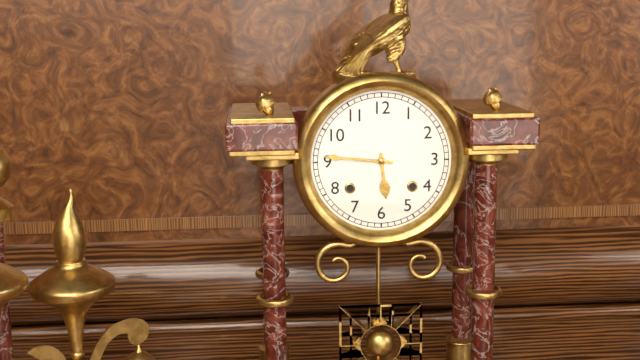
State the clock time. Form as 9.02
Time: 5.46
